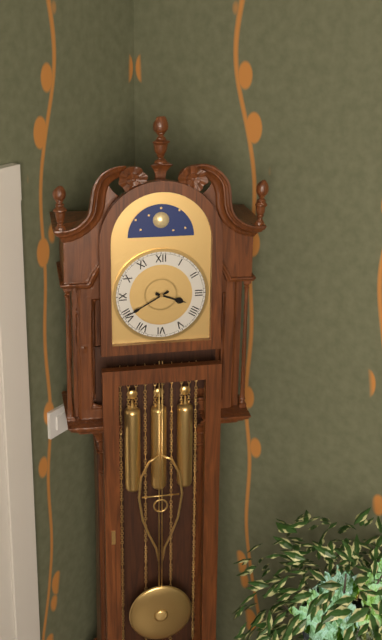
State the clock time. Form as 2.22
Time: 3.40
